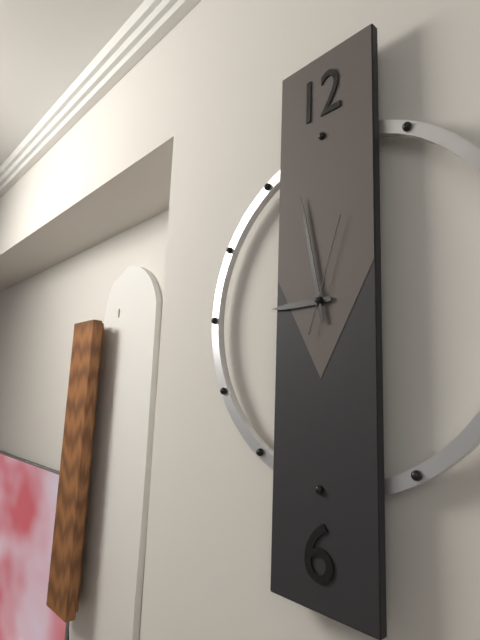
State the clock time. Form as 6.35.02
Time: 8.58.03
